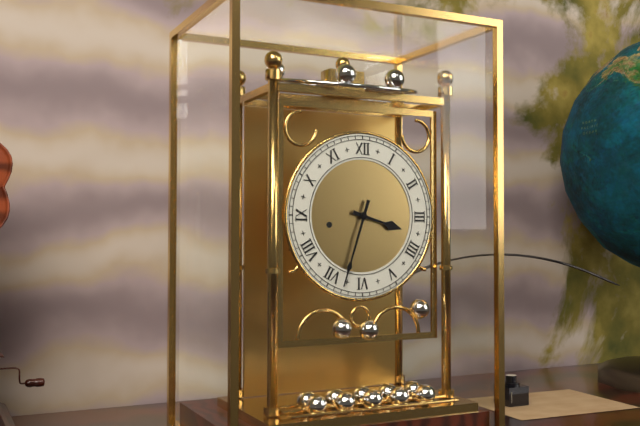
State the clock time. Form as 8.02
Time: 3.33
